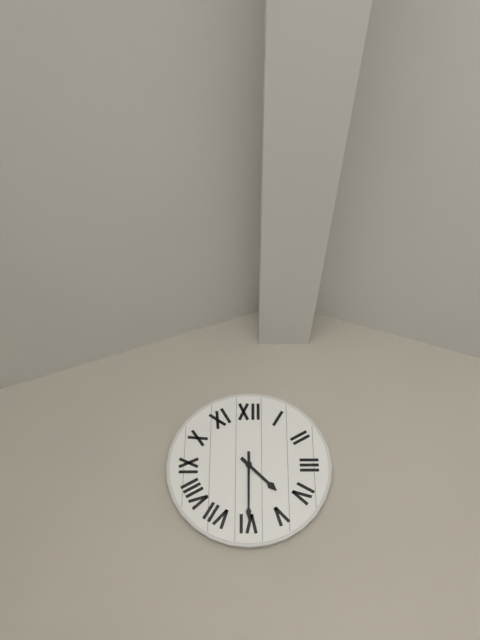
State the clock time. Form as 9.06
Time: 4.30
